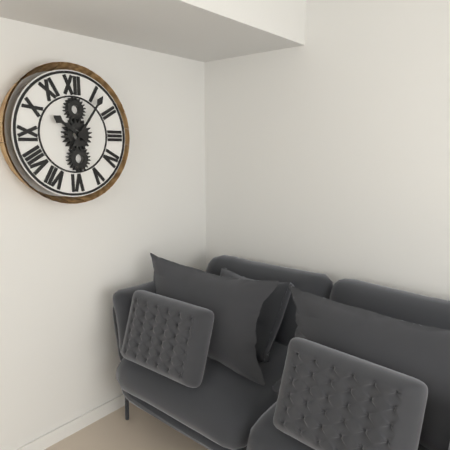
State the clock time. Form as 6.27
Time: 10.06
